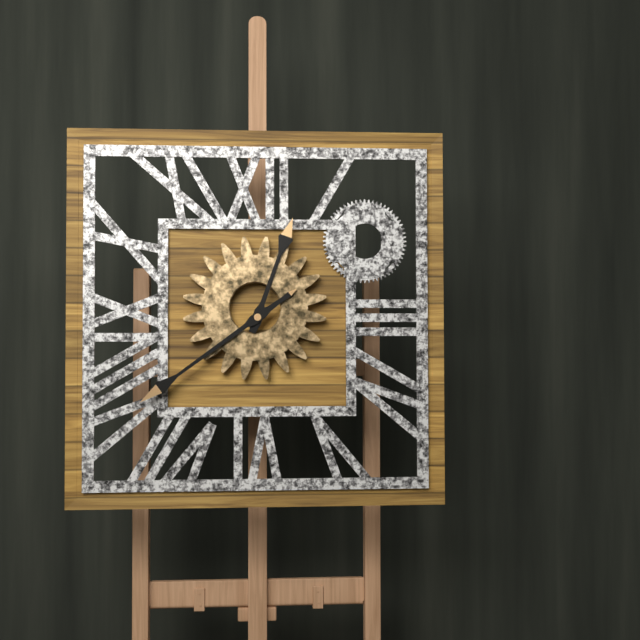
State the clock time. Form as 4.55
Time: 12.39
